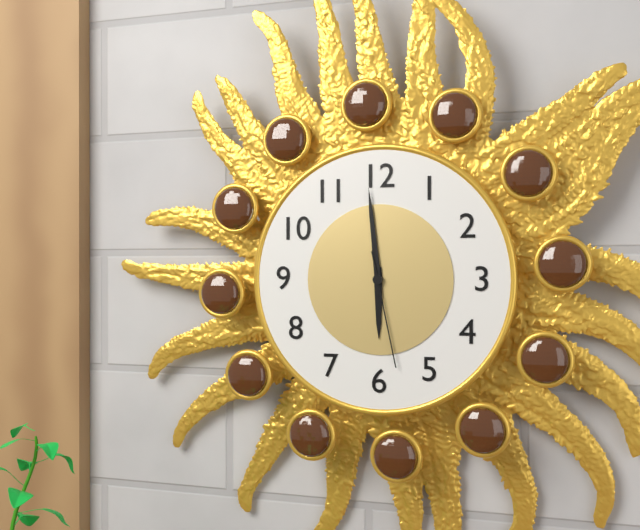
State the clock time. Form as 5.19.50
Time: 5.59.28
